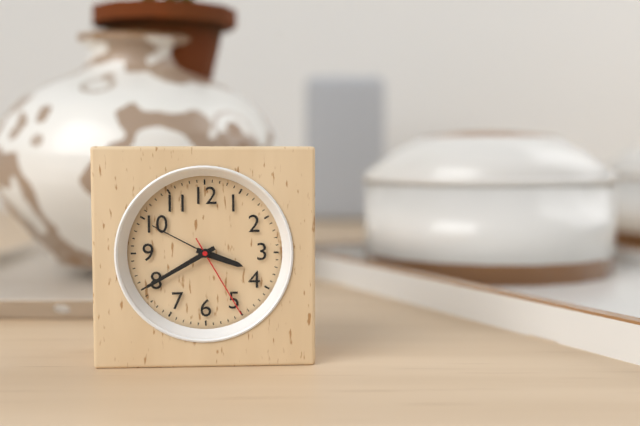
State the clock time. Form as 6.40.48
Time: 3.40.25
